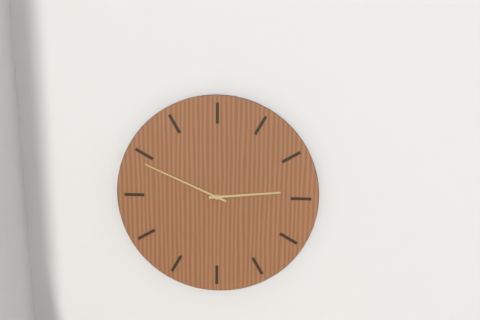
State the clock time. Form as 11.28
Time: 2.49
